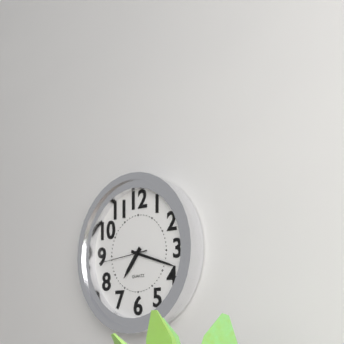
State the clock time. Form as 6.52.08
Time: 7.18.44
